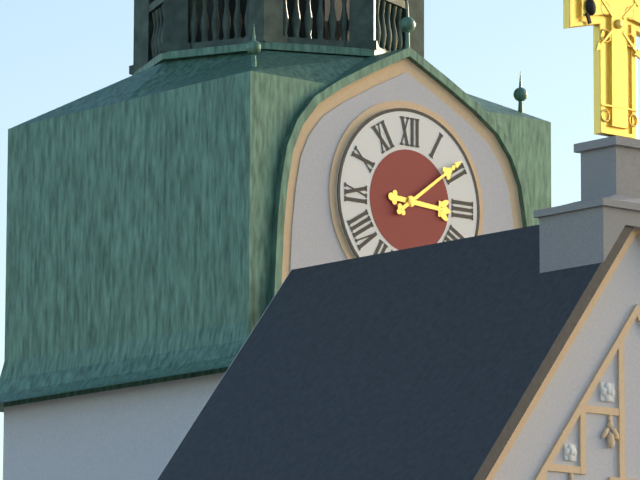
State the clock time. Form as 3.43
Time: 3.09
